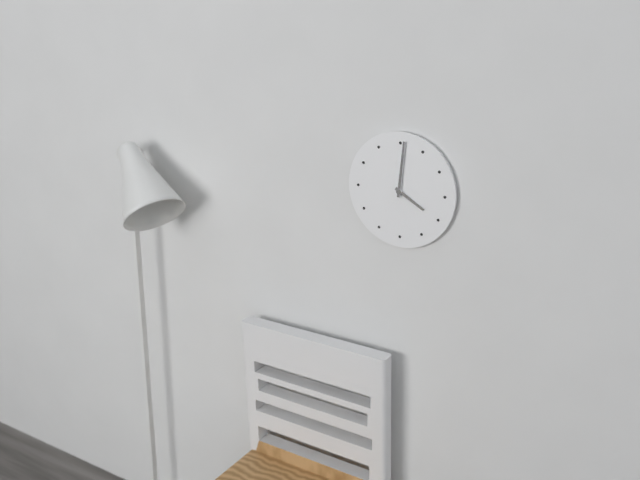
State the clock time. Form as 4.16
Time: 4.01
